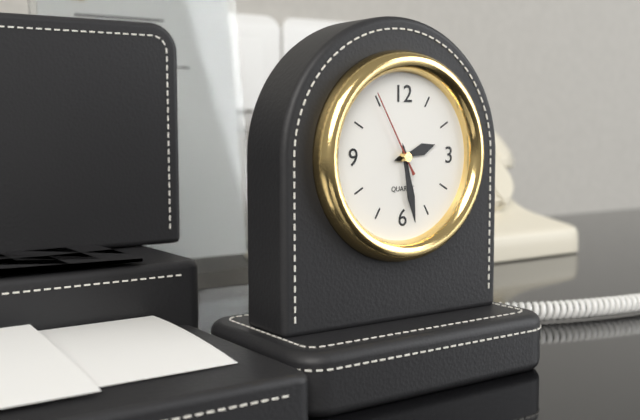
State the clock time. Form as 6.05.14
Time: 2.28.55
